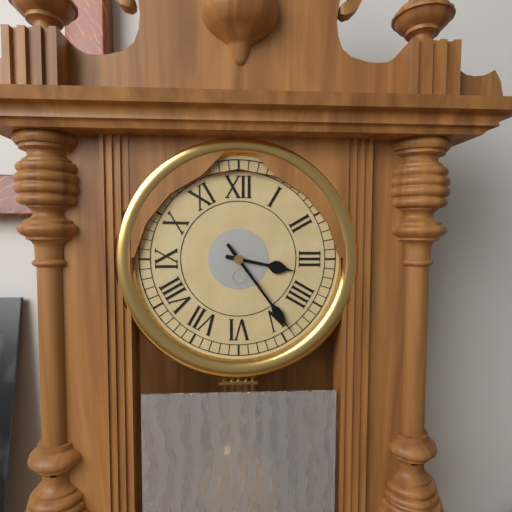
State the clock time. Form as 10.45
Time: 3.24
